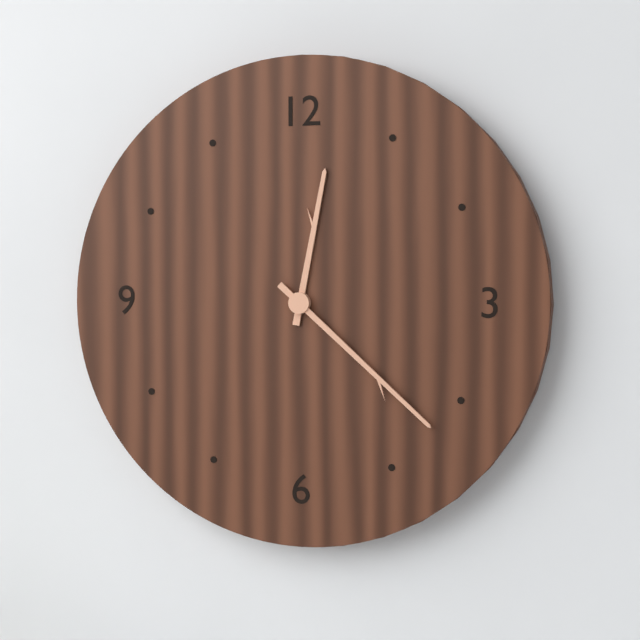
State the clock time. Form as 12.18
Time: 12.22
